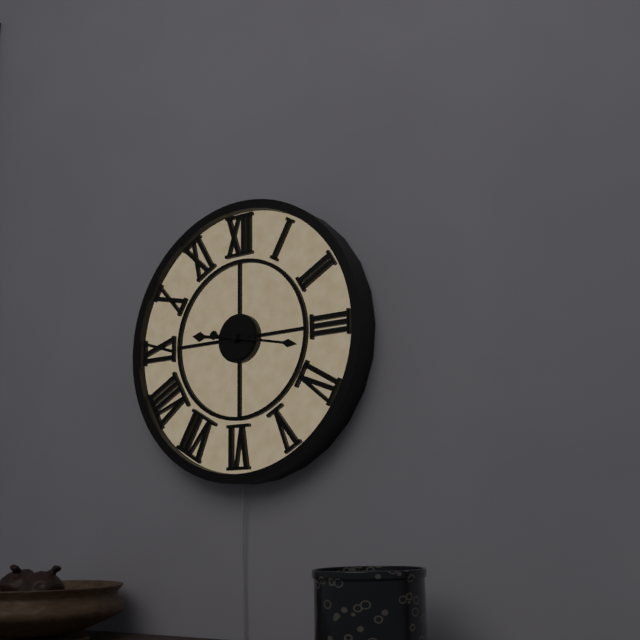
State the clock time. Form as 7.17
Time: 9.17
